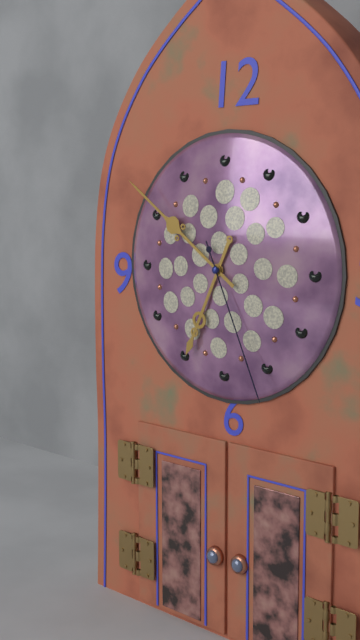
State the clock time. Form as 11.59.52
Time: 6.51.26
